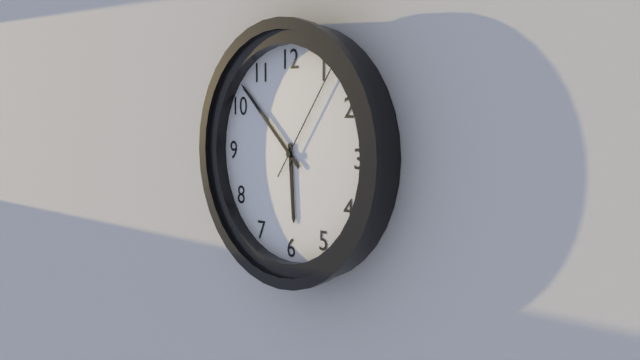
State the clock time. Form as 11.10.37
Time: 5.52.06
